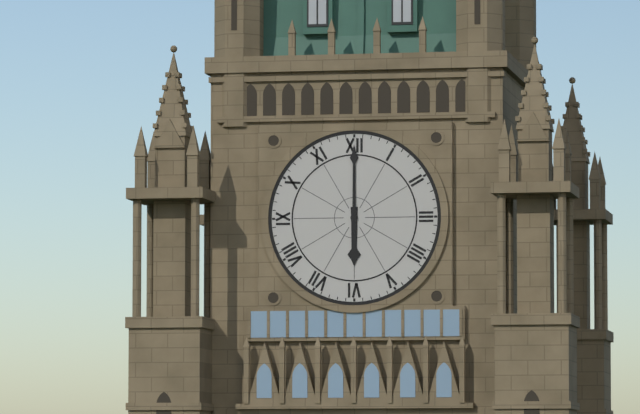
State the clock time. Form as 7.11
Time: 6.00
